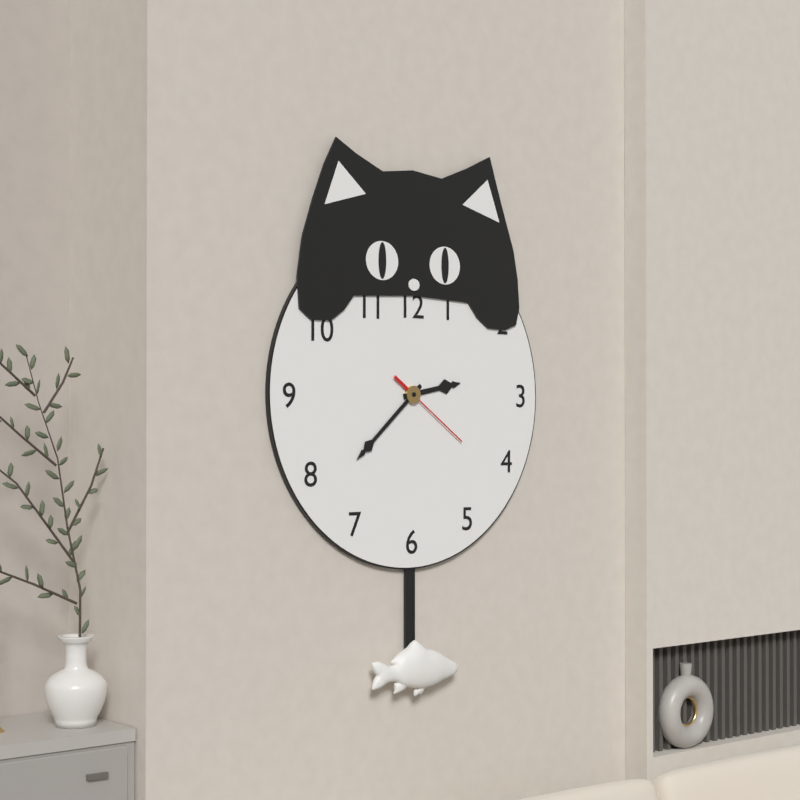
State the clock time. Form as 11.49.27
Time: 2.38.21
